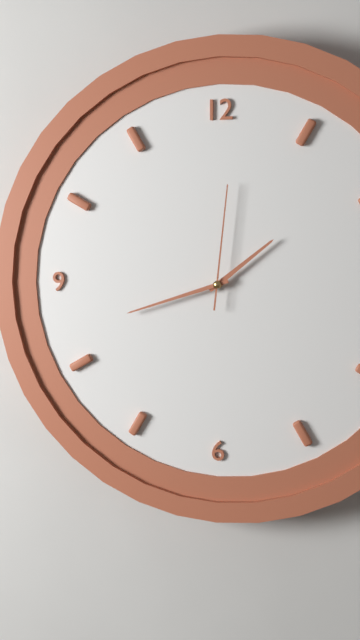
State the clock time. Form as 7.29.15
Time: 1.42.01
